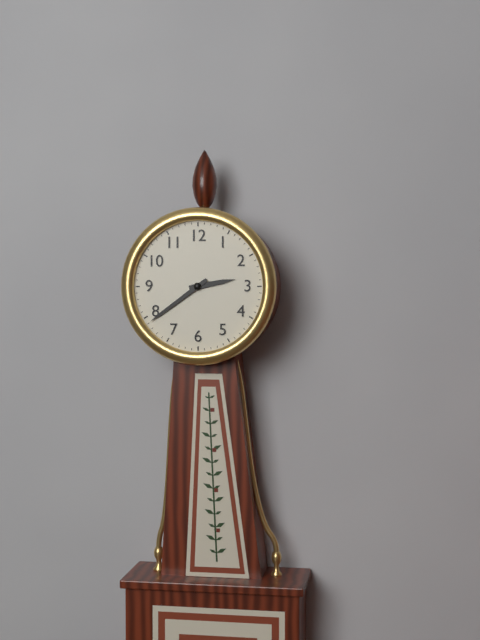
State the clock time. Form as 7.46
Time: 2.39
